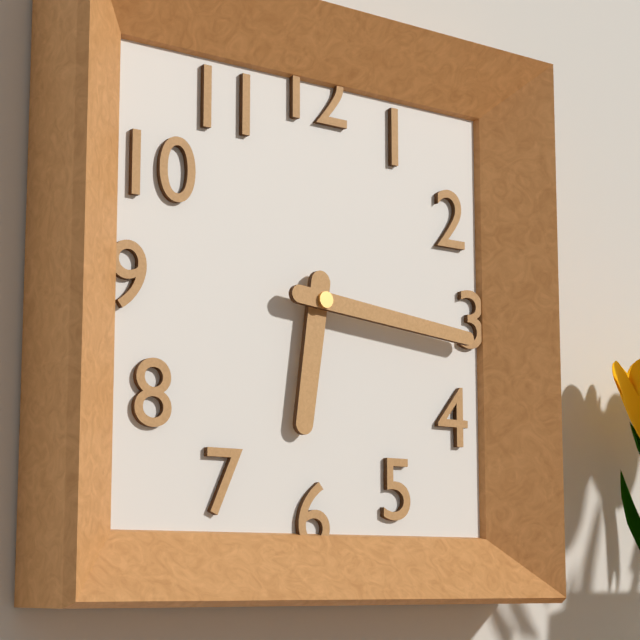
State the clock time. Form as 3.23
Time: 6.16
